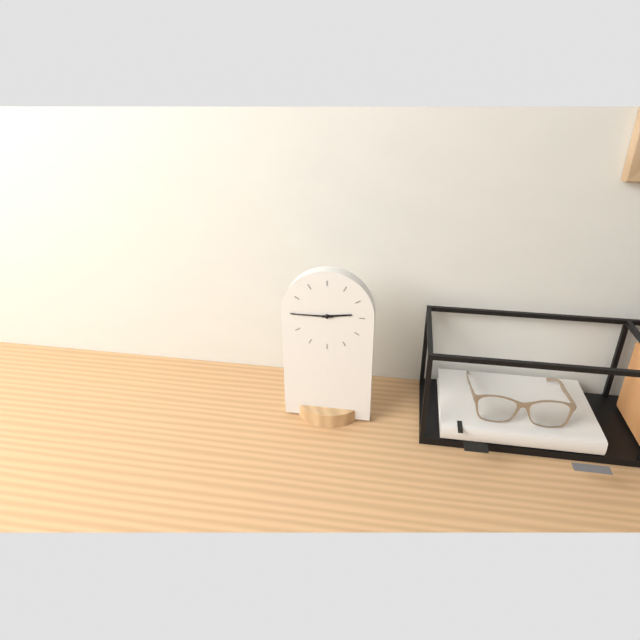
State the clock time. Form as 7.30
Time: 2.45
